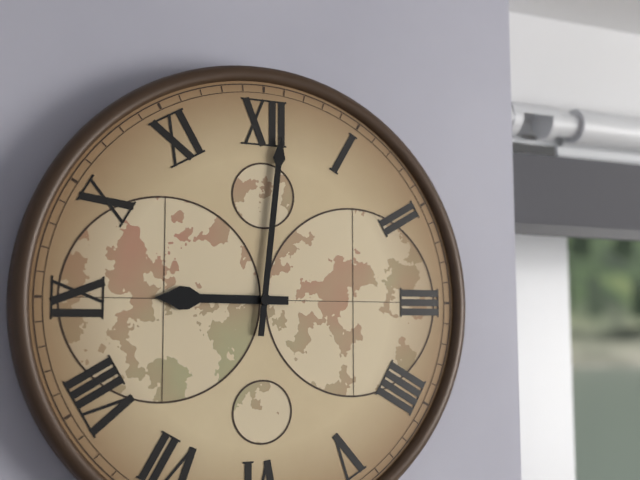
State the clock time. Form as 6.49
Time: 9.01
